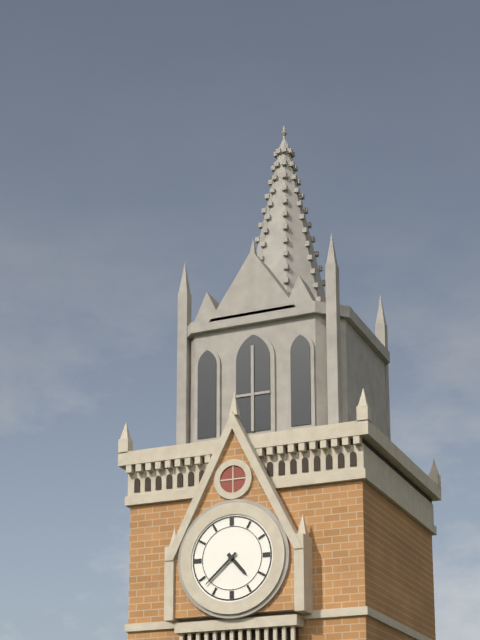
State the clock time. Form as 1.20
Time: 4.38
